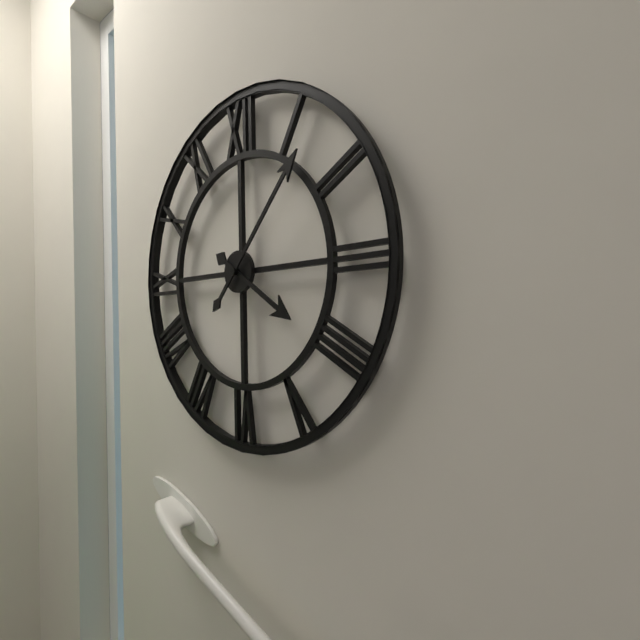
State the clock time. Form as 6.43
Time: 4.07
